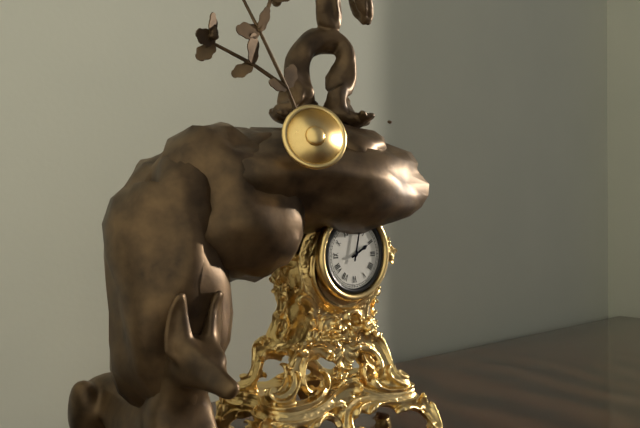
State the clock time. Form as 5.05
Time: 2.02
